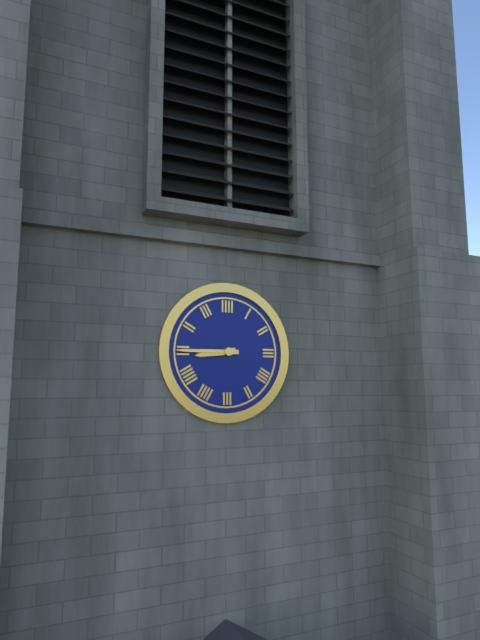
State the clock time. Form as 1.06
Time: 8.45
